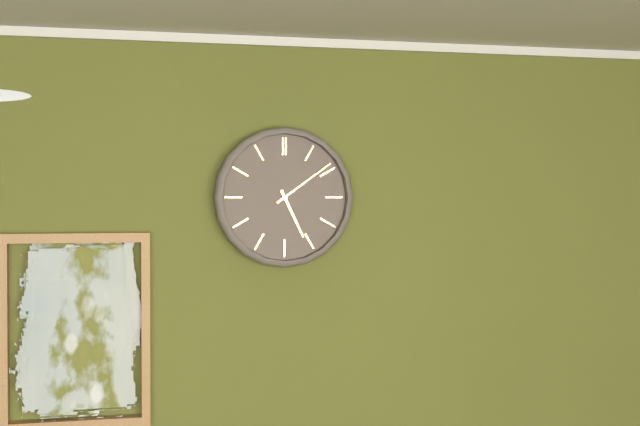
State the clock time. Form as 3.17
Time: 5.09
